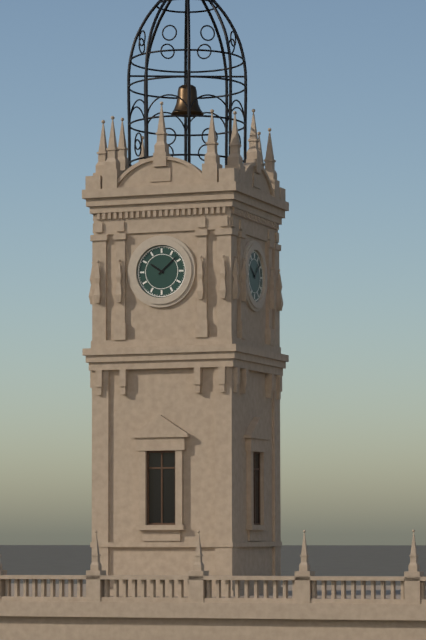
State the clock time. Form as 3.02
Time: 10.08
